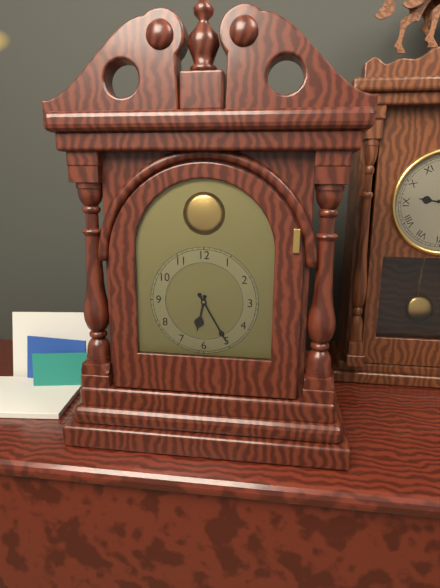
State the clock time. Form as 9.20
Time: 6.25
